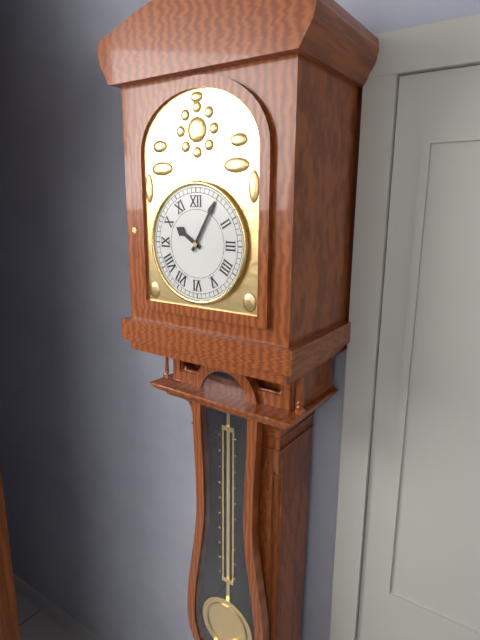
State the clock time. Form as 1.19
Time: 10.05
